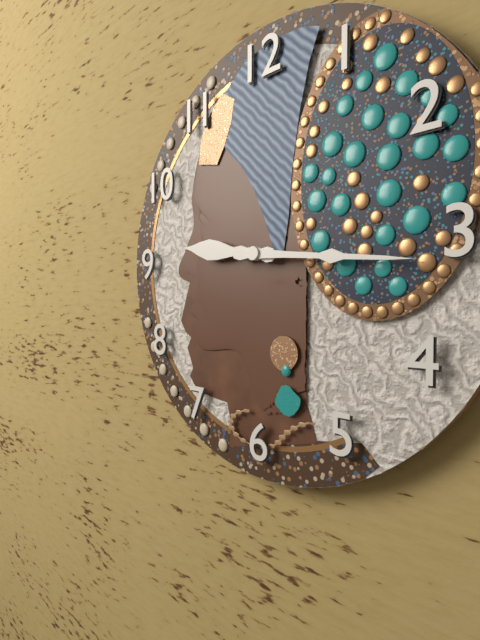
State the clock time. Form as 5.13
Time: 9.16
